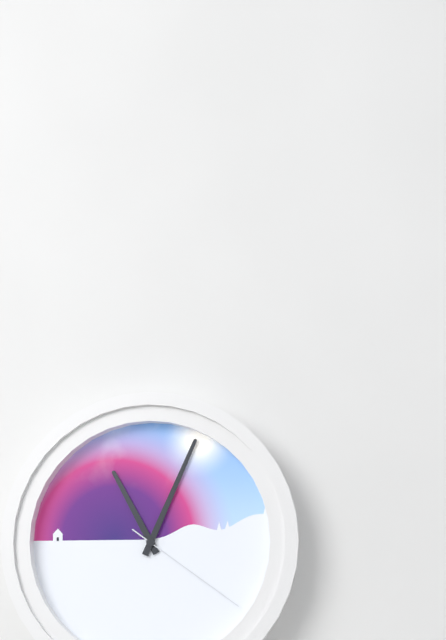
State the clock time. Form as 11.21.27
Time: 11.04.21
